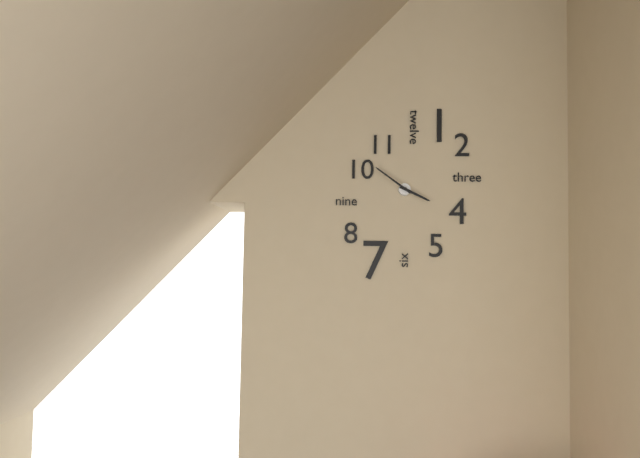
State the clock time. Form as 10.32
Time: 3.51
